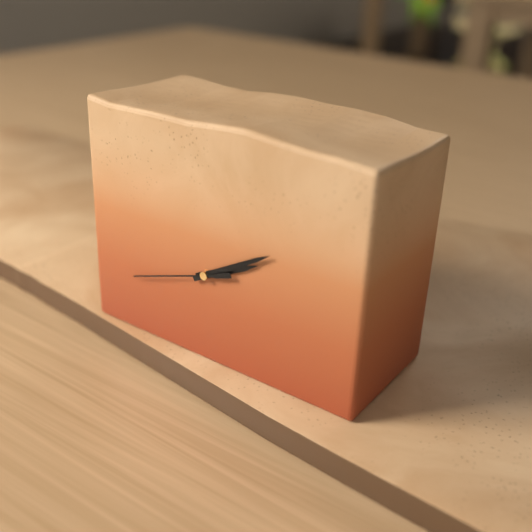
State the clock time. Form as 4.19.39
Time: 2.10.42
